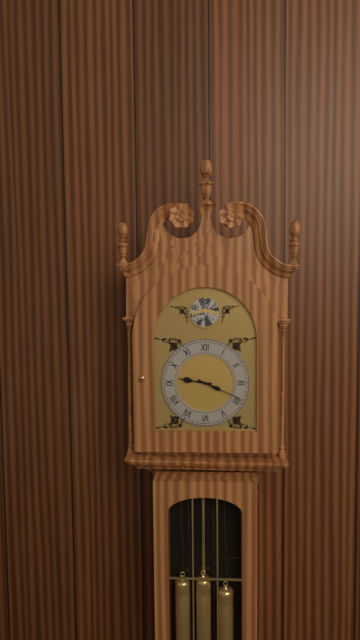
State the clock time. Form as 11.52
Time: 9.19
